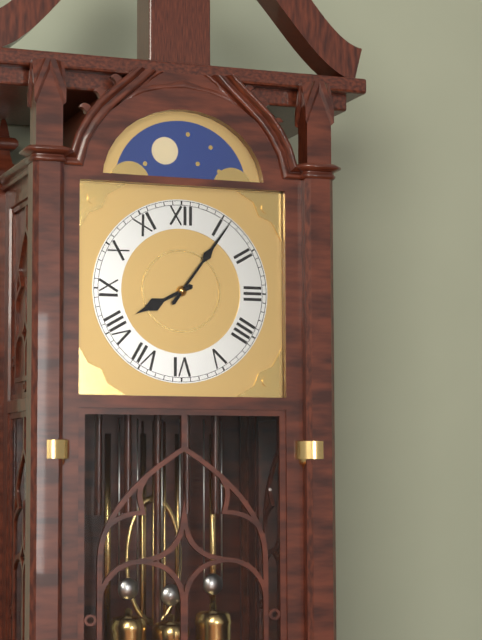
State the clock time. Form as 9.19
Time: 8.06
